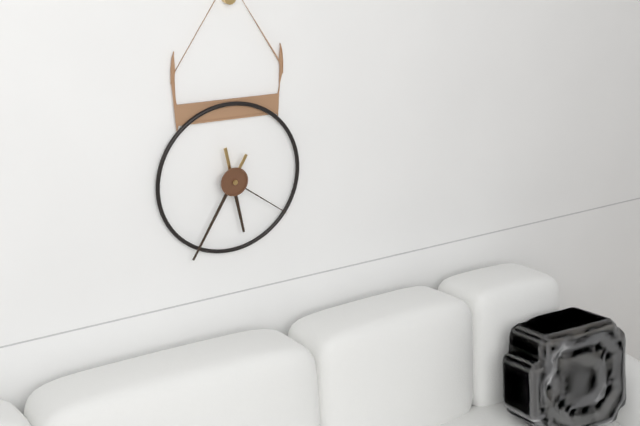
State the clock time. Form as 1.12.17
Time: 5.35.21
